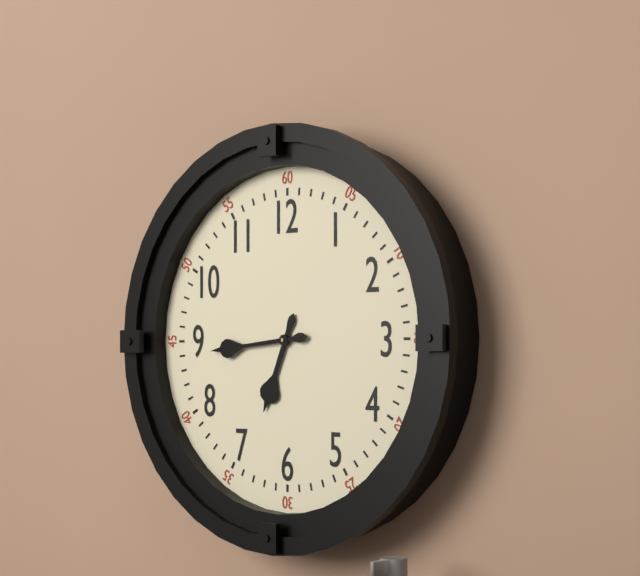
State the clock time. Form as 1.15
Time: 6.44
